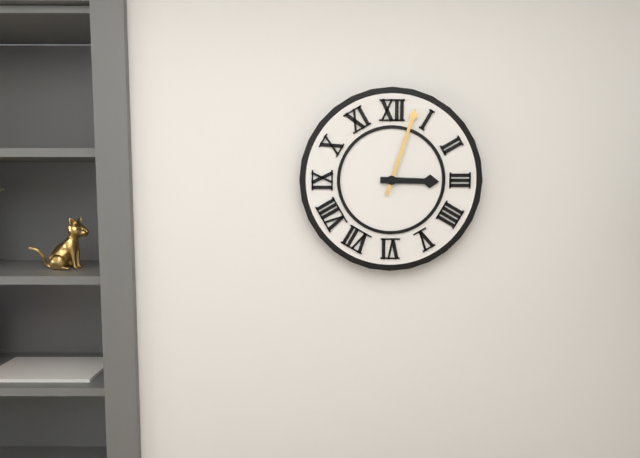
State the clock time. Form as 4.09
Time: 3.03
